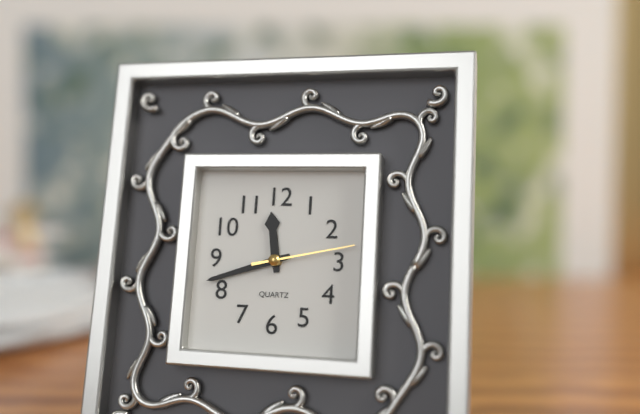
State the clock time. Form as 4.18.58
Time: 11.42.13
